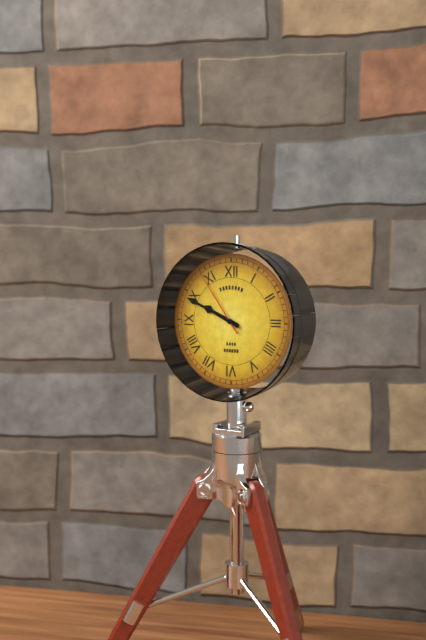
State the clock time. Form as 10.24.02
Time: 9.49.54
